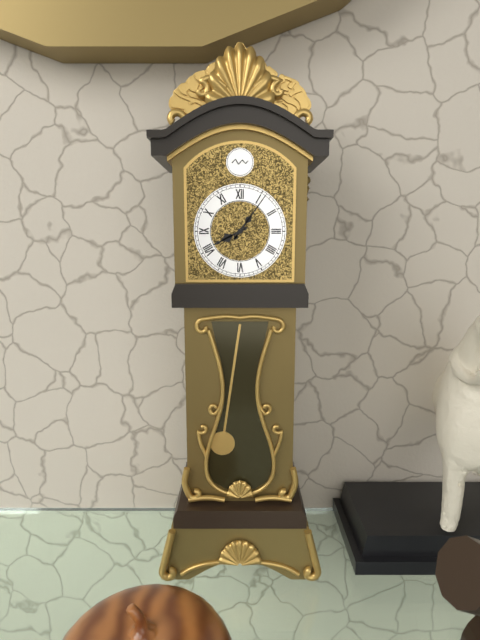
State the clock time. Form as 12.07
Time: 8.06
